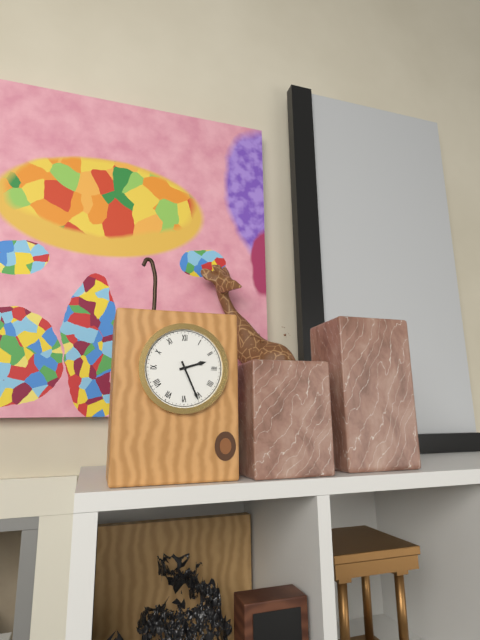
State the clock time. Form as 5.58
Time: 2.26
